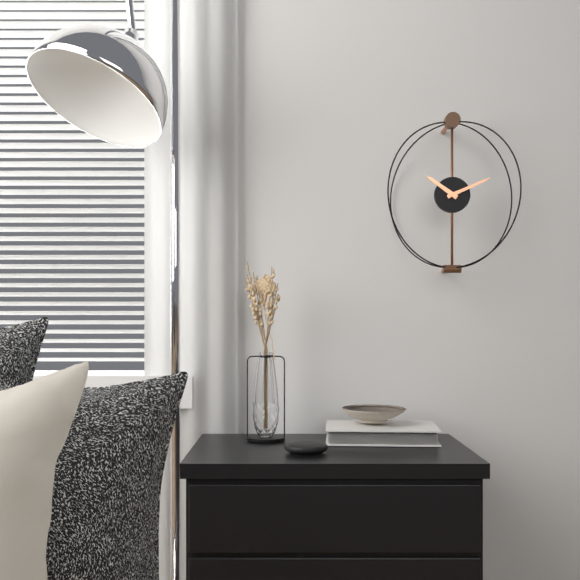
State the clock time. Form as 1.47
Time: 10.11
